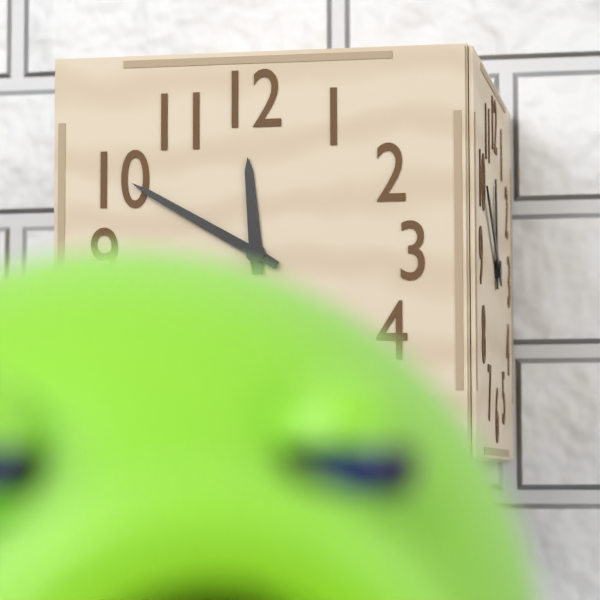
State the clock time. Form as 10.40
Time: 11.50
